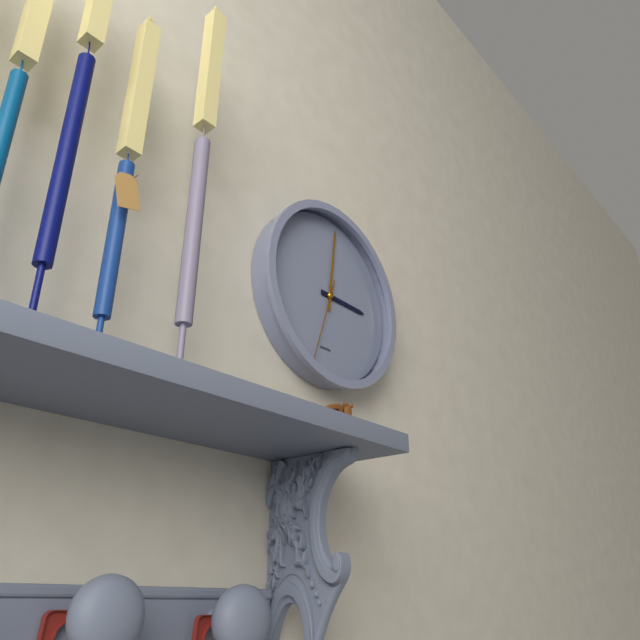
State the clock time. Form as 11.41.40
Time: 3.01.33
